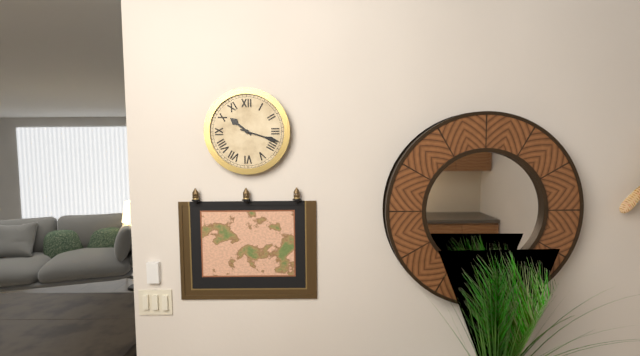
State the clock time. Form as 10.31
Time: 10.18
